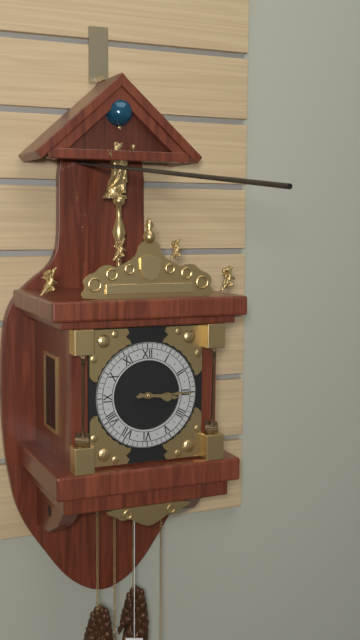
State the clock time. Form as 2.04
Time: 3.15
